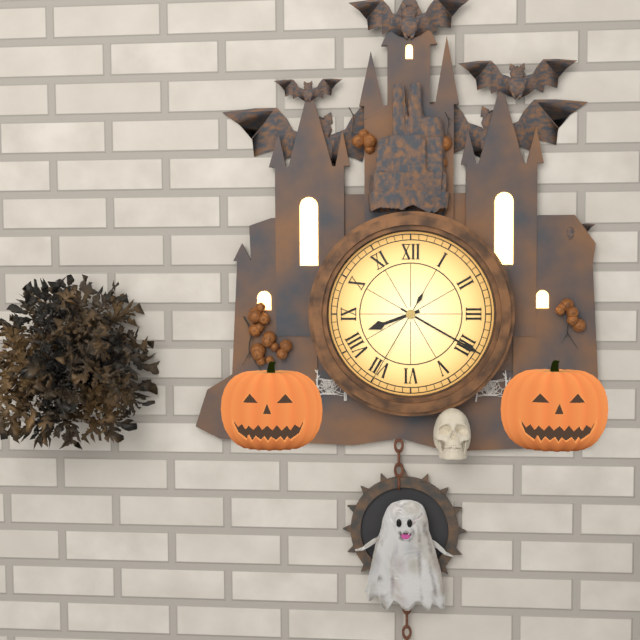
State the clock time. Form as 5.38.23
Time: 8.20.35
